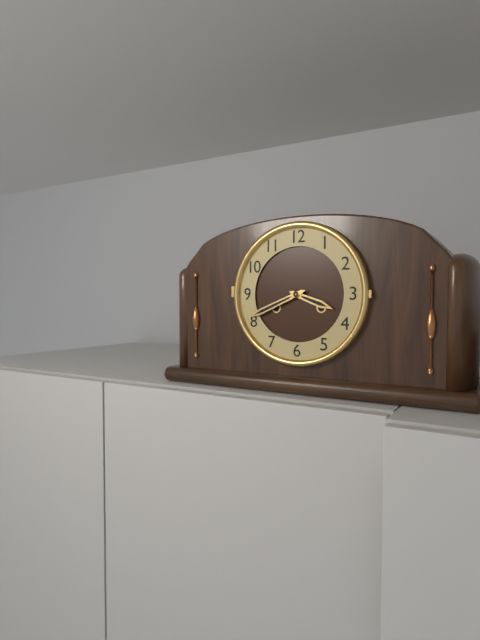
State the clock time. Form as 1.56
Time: 3.41
